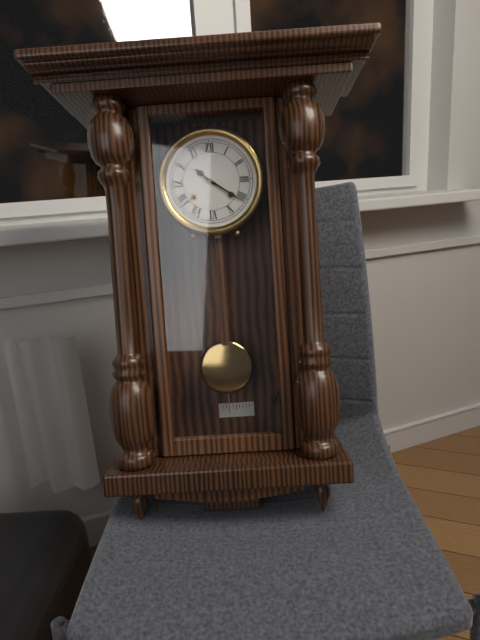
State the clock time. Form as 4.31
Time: 10.21
